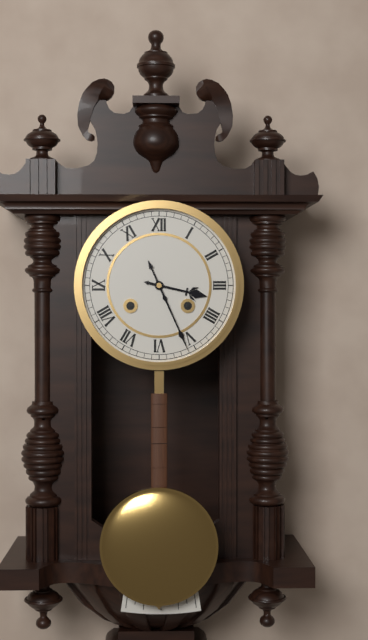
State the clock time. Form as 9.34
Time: 3.26
